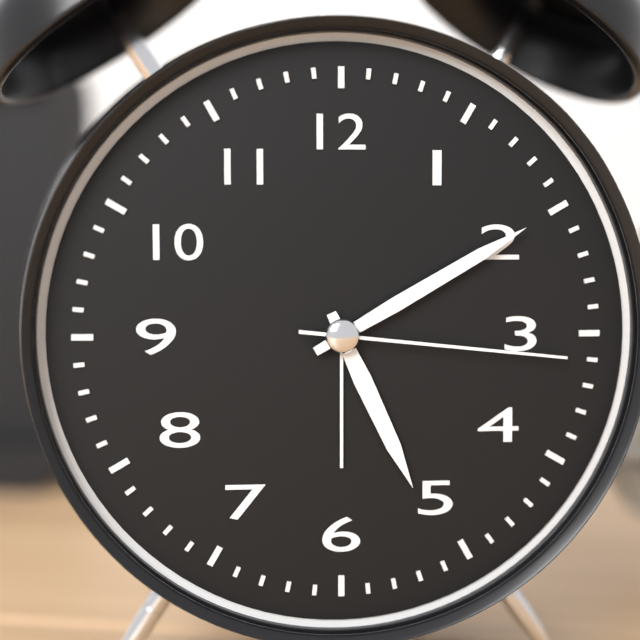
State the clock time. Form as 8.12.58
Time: 5.10.16
